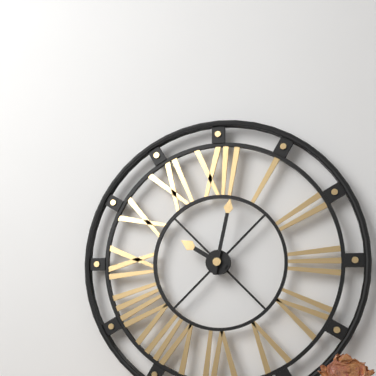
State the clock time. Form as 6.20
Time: 10.02
